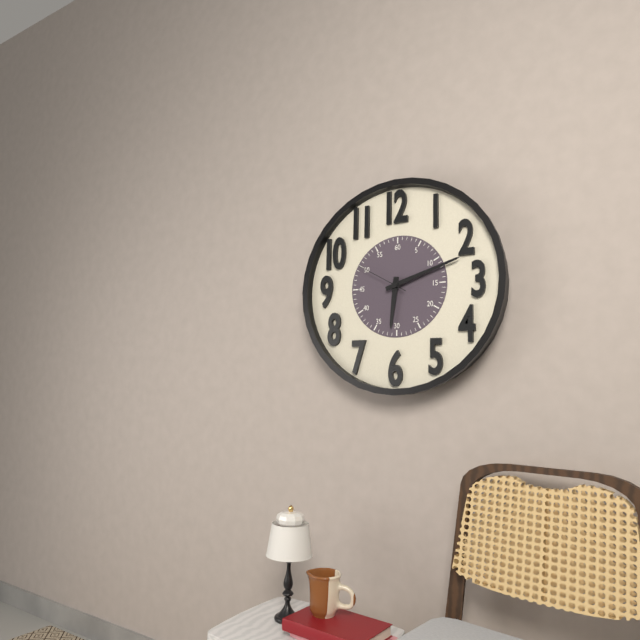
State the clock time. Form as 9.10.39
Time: 6.12.50
